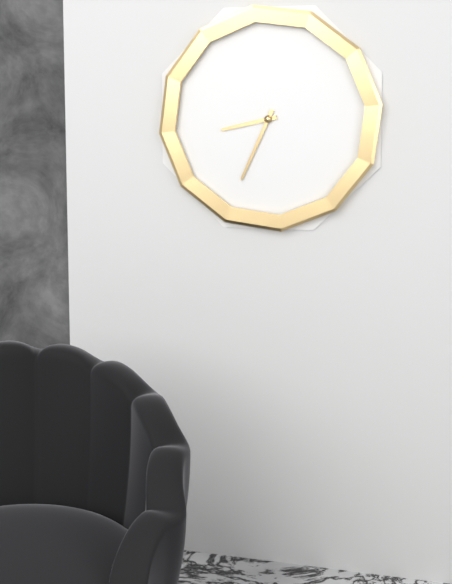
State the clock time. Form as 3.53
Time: 8.34
